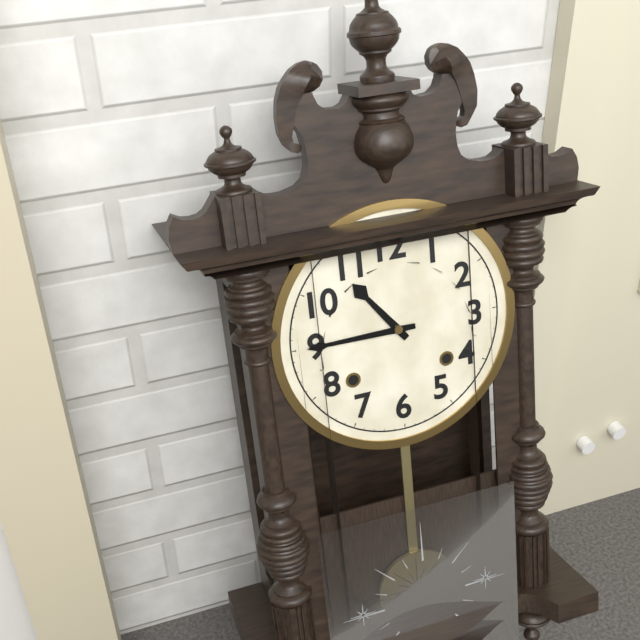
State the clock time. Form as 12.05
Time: 10.45
